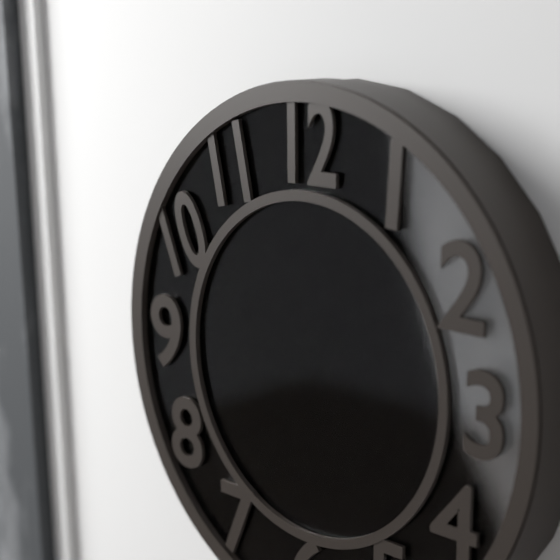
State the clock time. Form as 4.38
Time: 12.09
